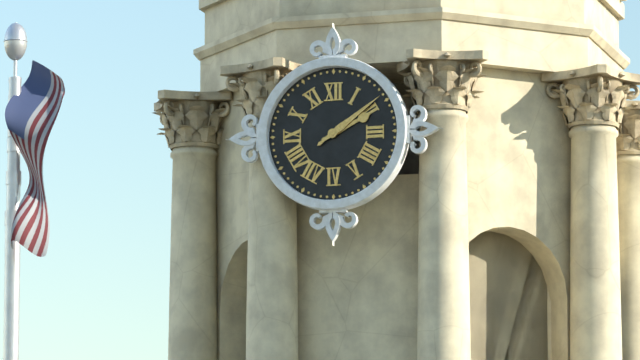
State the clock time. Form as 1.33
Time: 2.09
